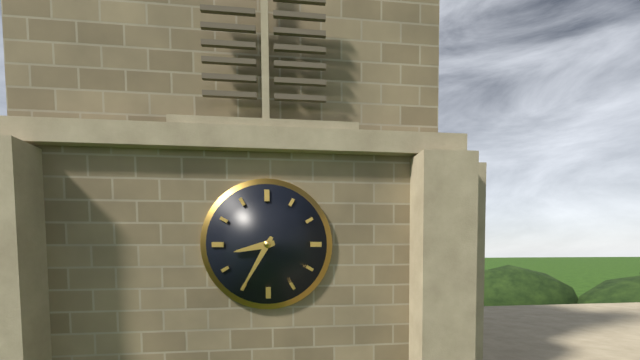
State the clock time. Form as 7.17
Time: 8.35
